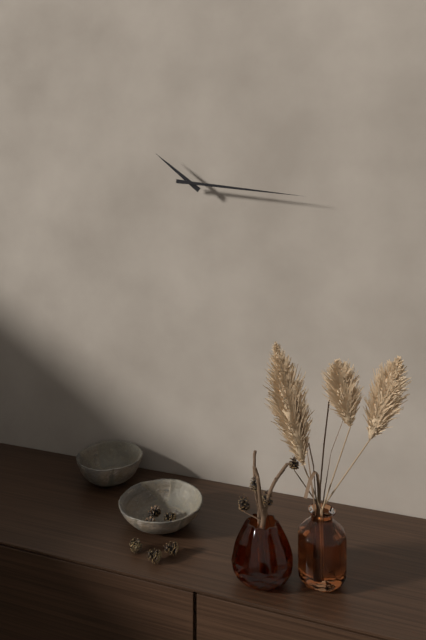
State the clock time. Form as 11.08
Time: 10.16
